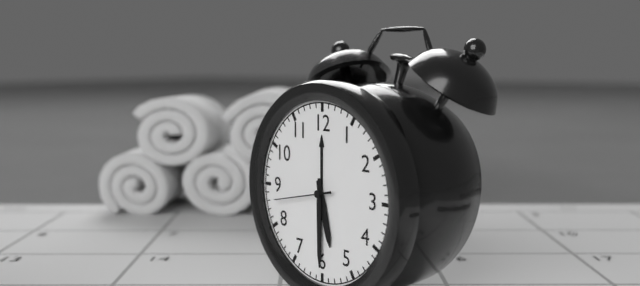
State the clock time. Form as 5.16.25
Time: 5.30.43
